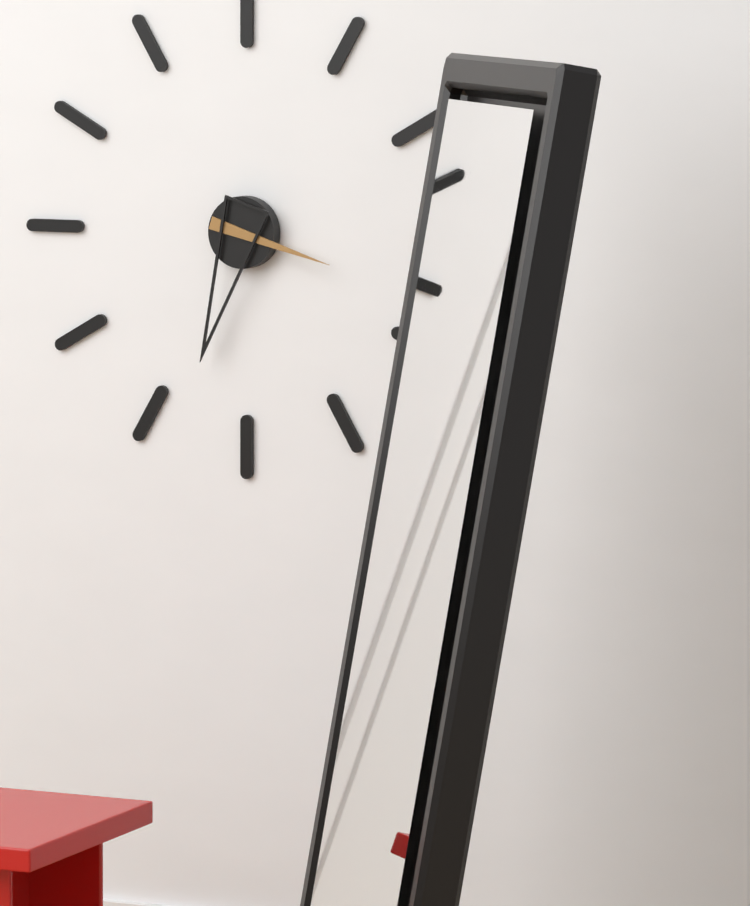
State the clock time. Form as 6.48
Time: 3.33
